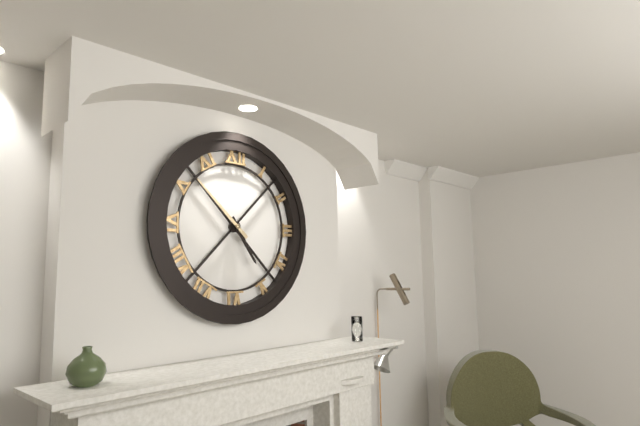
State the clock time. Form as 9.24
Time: 4.52
